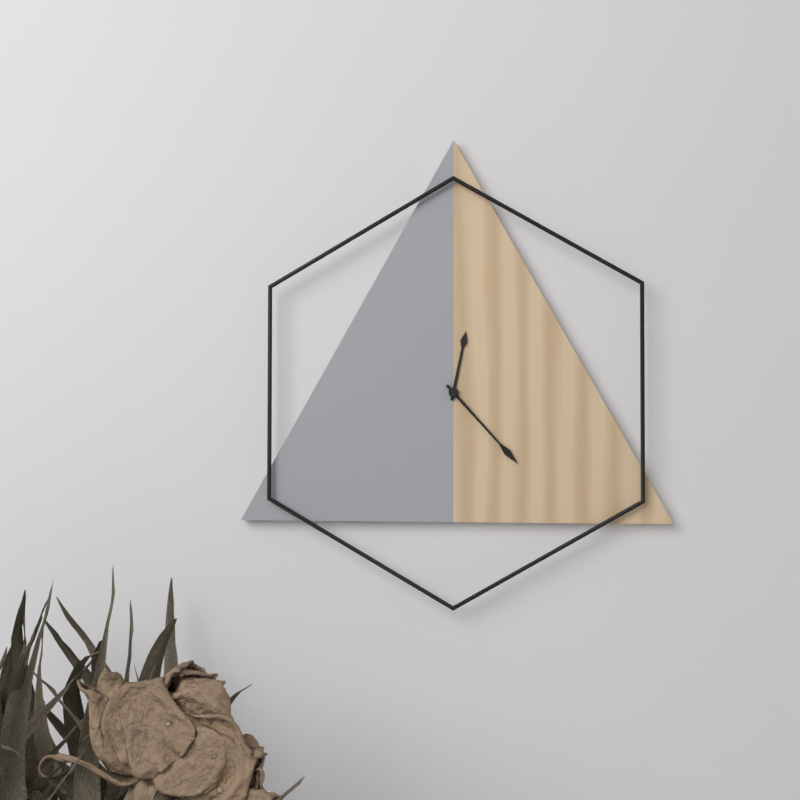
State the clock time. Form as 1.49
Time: 12.23
